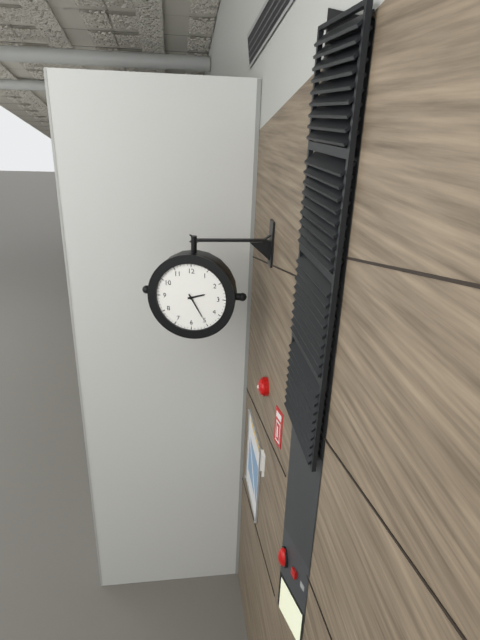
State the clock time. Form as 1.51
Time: 2.25
